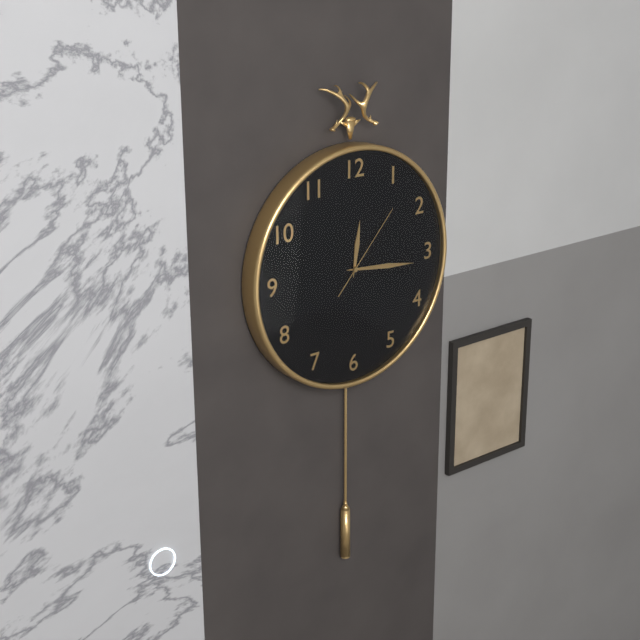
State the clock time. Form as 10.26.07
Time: 12.16.07
